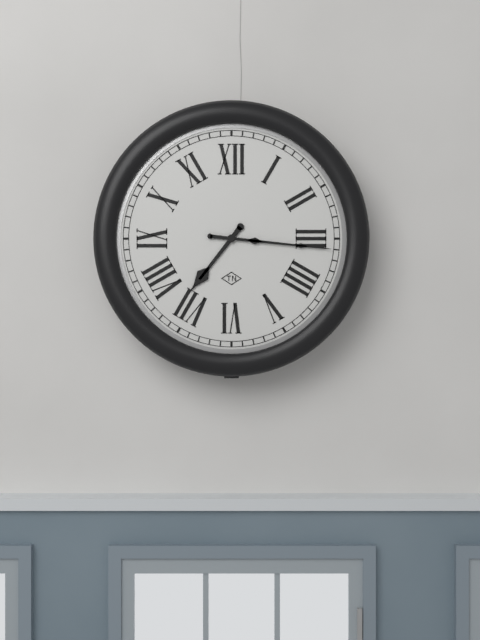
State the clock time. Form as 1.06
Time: 7.16
